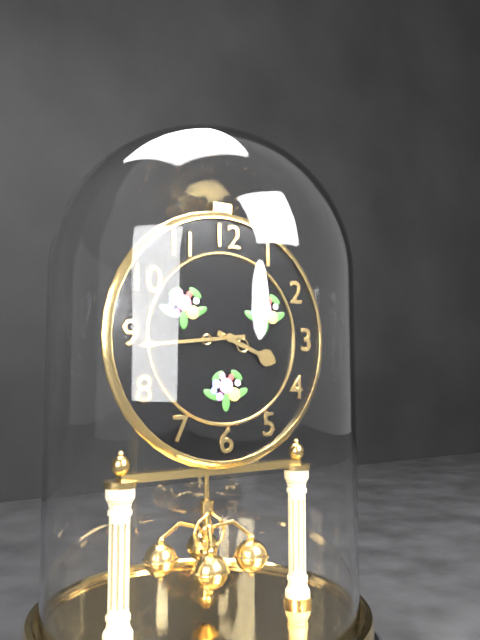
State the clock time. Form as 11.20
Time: 3.44
